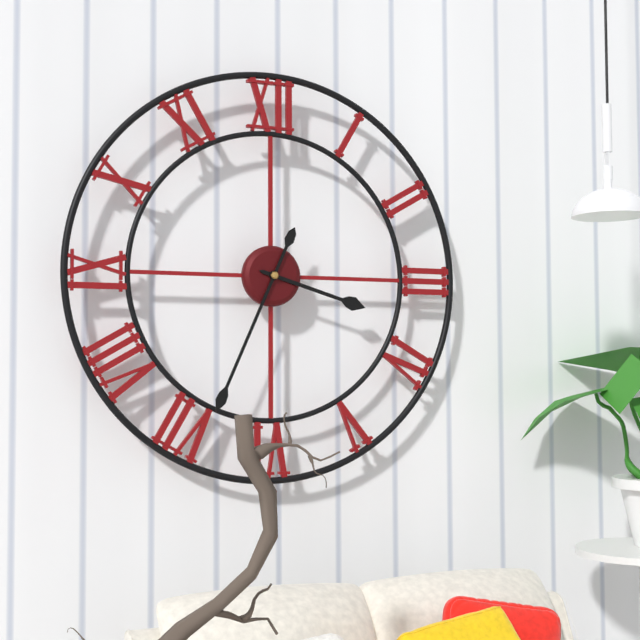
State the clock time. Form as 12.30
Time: 3.34
